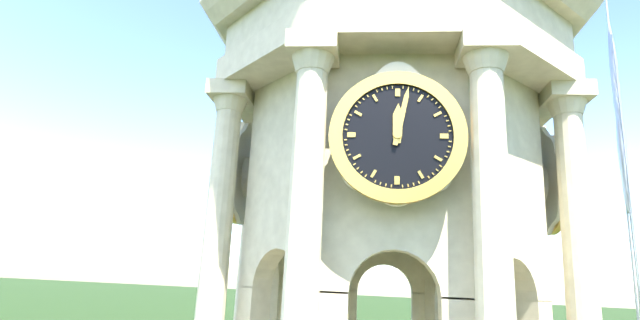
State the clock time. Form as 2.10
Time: 12.02
